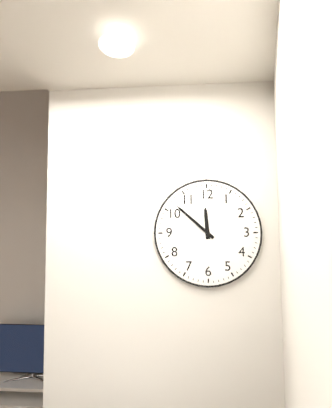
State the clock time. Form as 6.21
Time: 11.52
